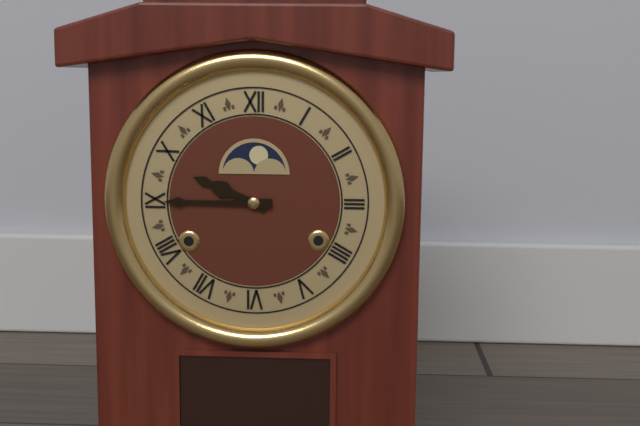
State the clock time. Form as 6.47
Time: 9.45
